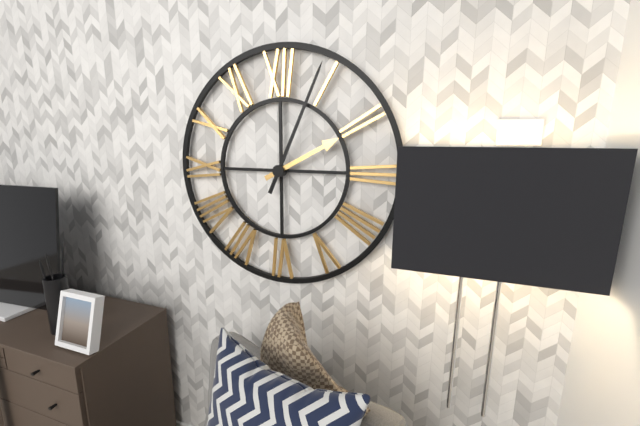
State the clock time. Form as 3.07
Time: 2.04
